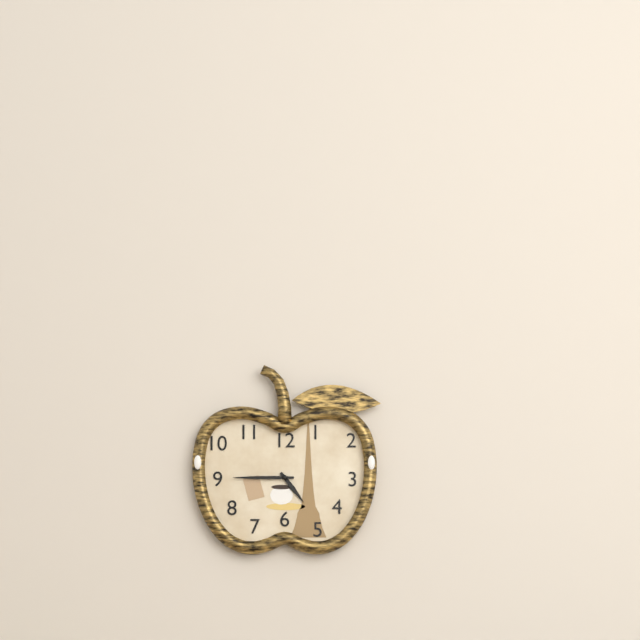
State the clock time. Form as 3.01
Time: 4.45
